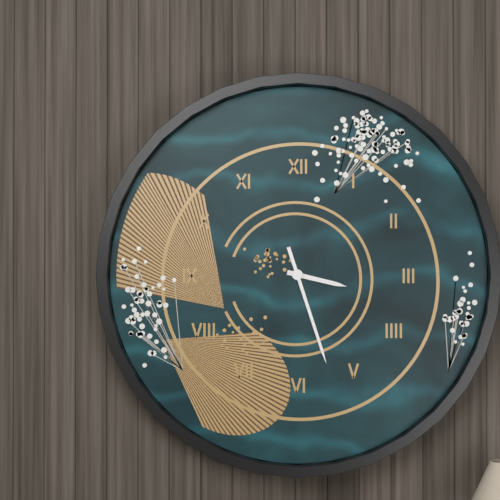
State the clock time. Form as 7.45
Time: 3.27
